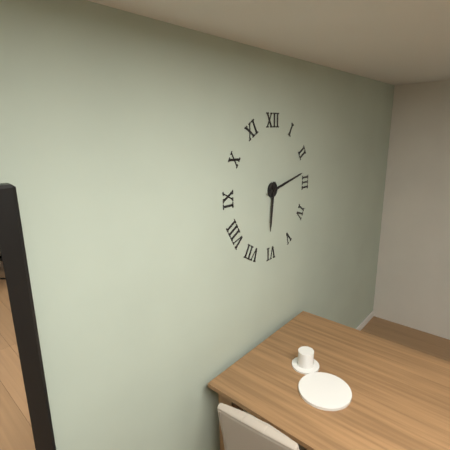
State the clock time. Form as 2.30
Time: 6.13
